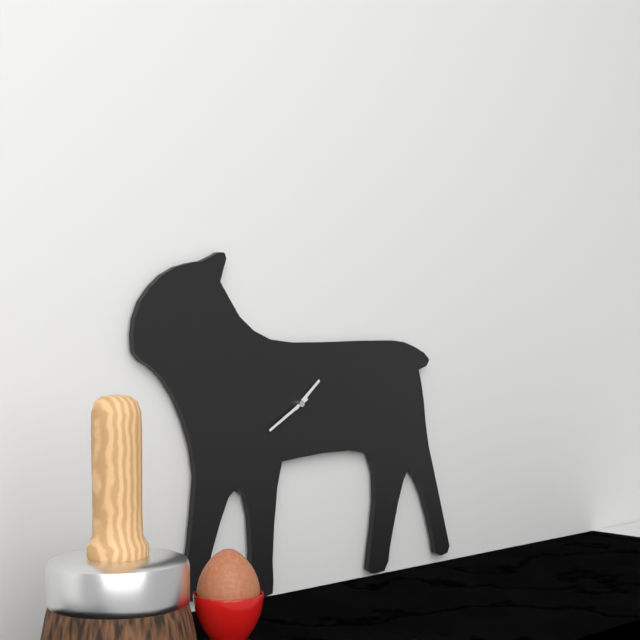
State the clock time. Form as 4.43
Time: 1.40
